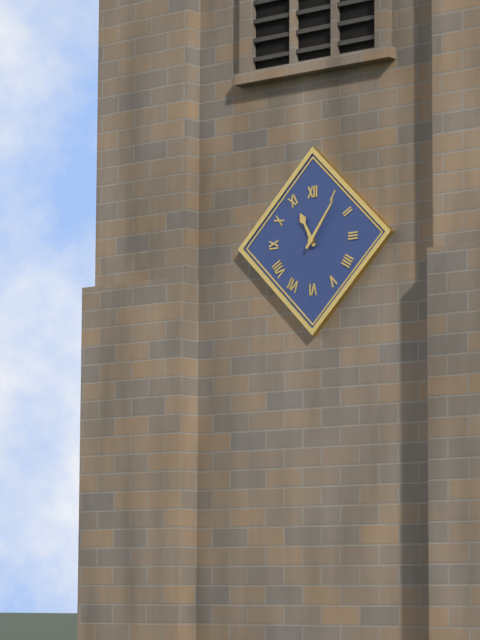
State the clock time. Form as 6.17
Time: 11.06
